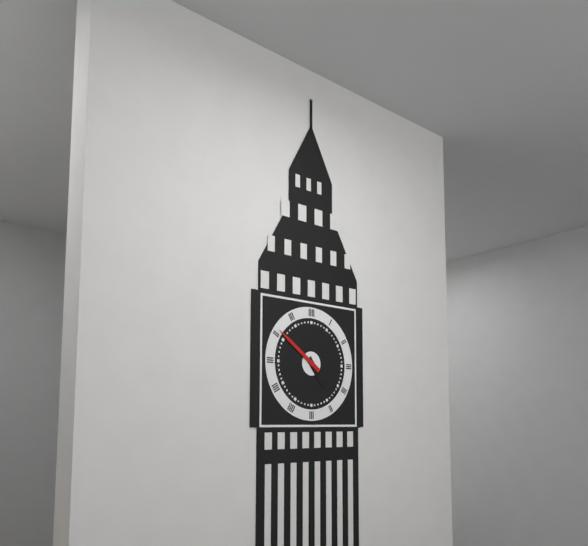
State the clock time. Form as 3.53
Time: 4.51
